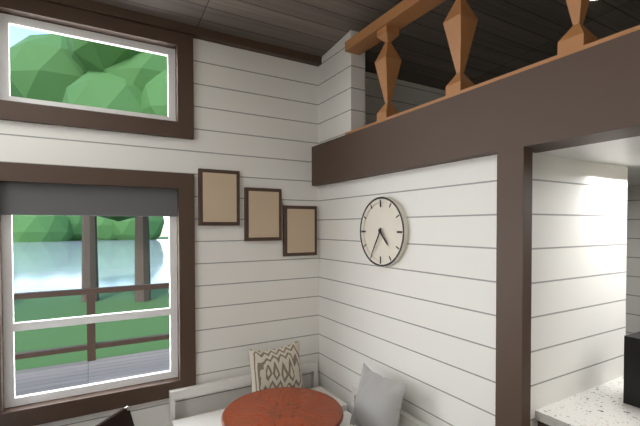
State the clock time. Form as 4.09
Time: 4.35
